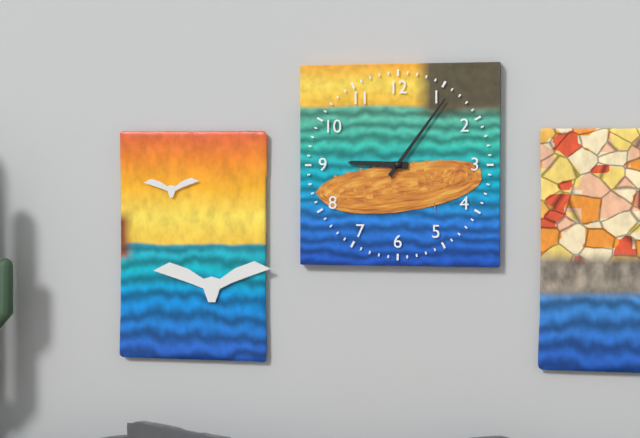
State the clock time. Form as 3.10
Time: 9.06
